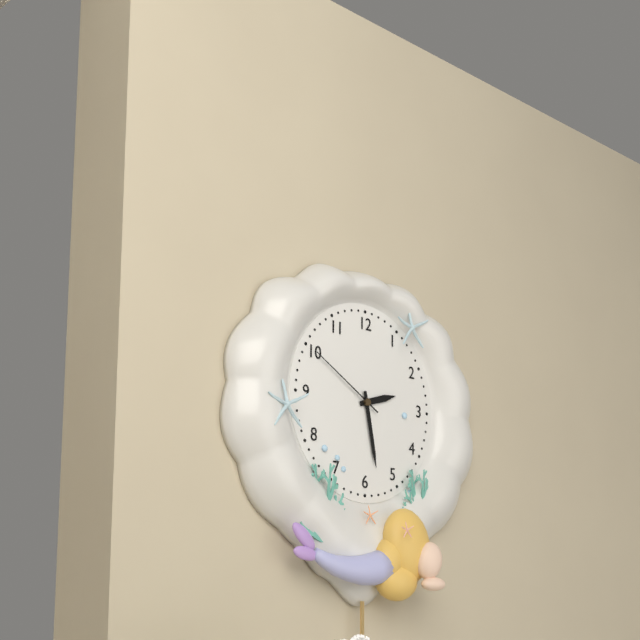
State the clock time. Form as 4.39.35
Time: 2.28.50
